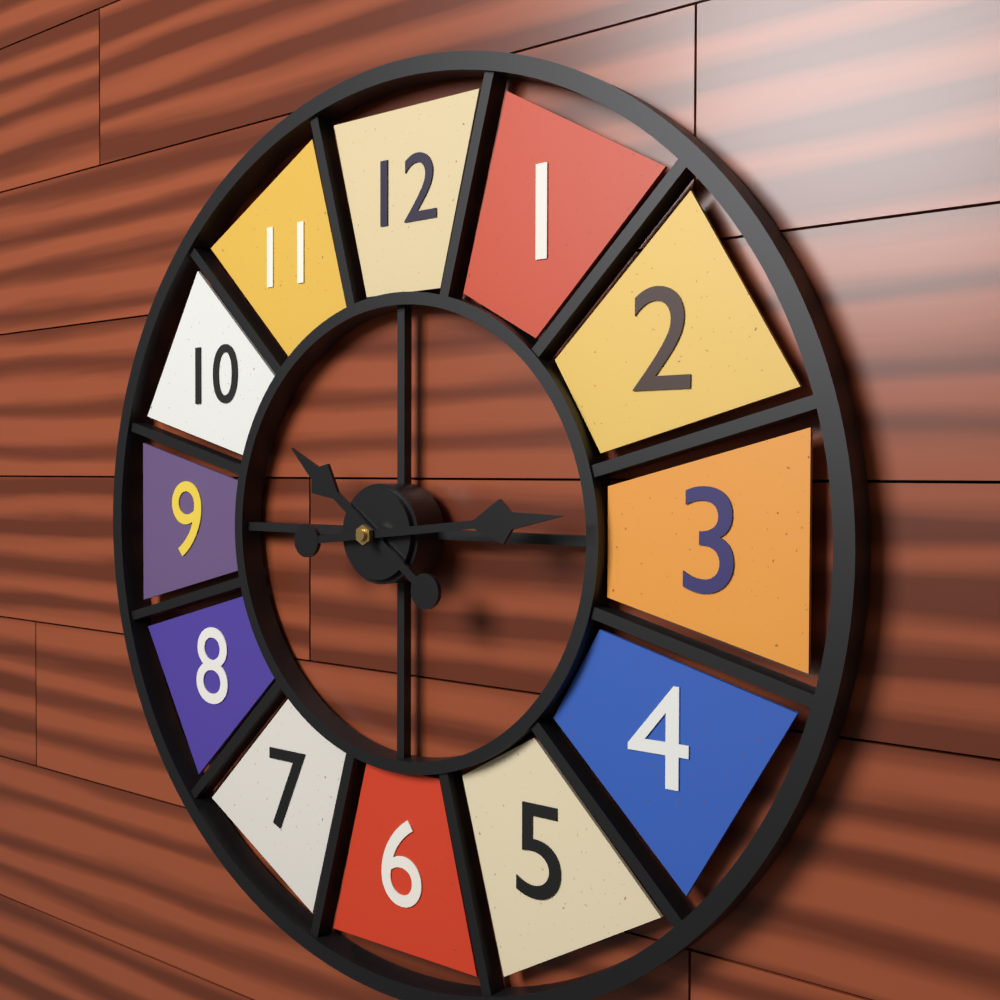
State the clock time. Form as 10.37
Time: 10.14
